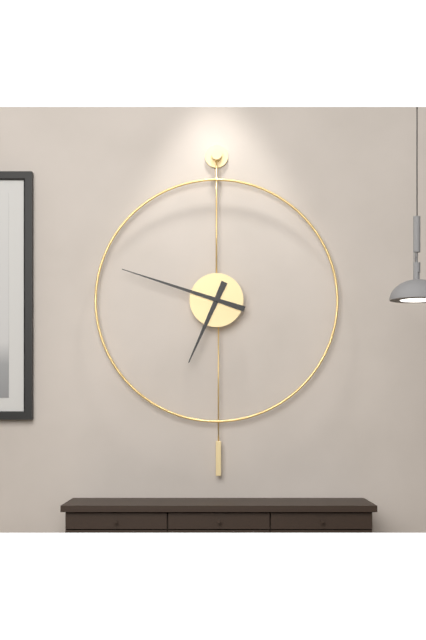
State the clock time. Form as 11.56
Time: 6.48
